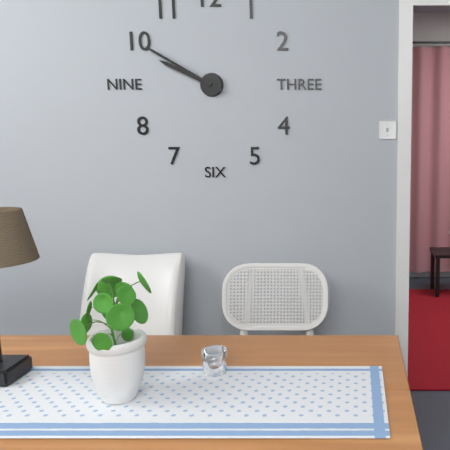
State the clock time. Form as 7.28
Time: 9.50
